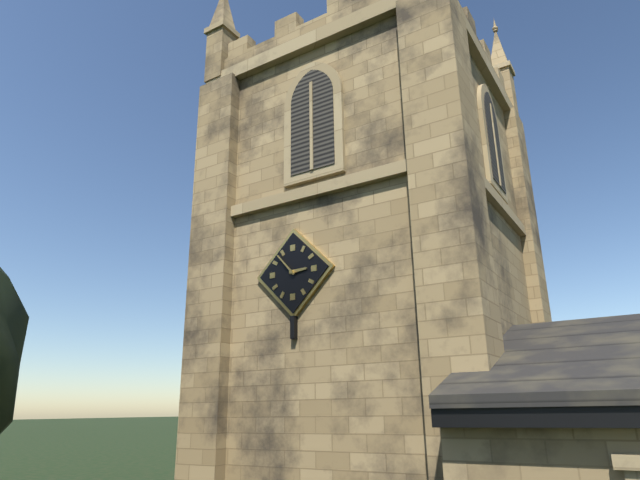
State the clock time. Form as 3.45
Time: 2.53
